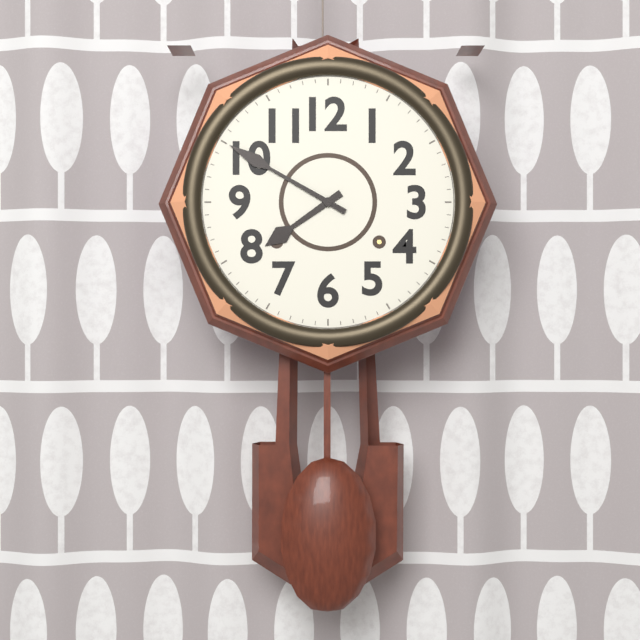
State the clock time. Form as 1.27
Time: 7.50
